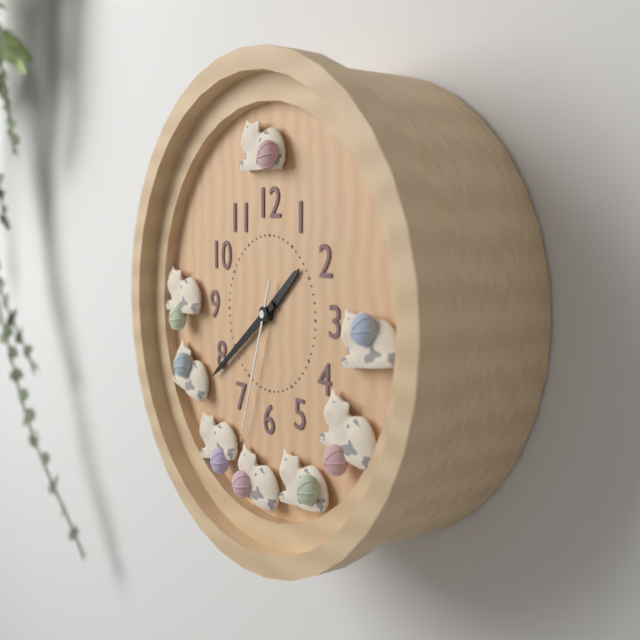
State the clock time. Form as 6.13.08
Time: 1.39.33
